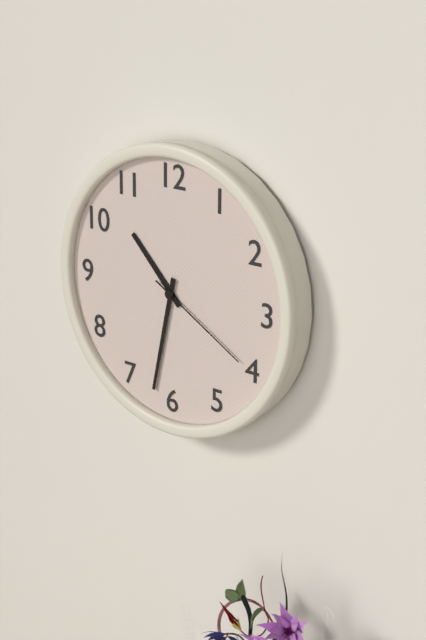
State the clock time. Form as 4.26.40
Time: 10.32.20
